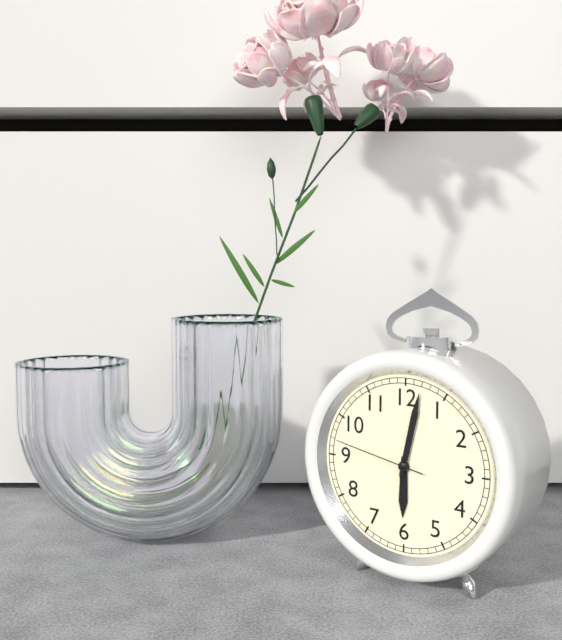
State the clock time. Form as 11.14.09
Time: 6.02.47
